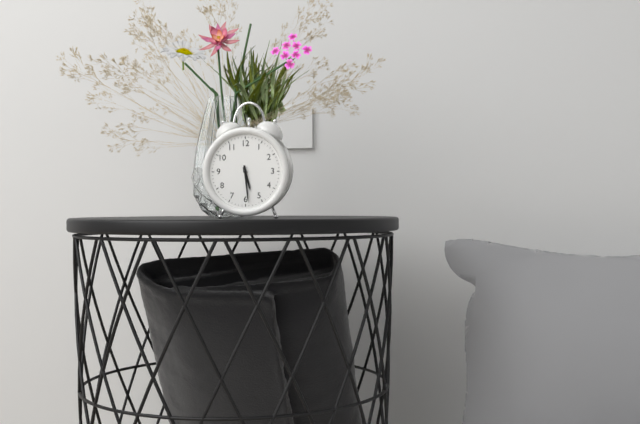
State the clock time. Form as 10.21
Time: 5.29
